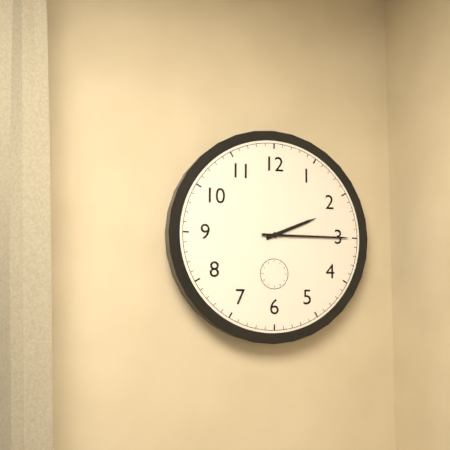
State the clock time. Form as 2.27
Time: 2.15
